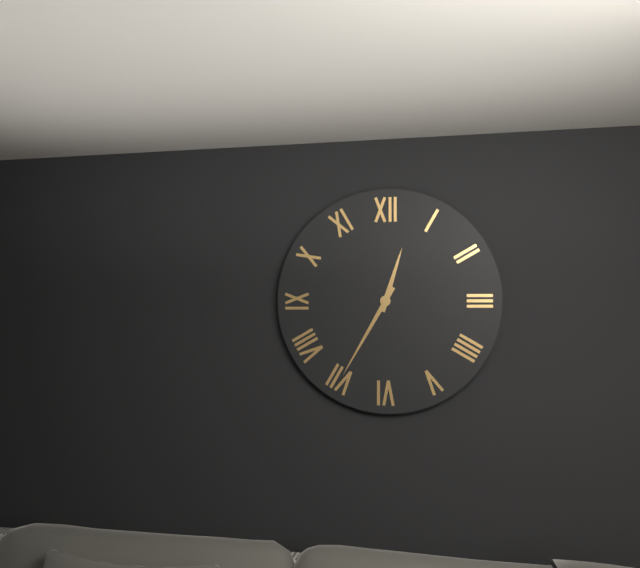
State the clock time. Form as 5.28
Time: 12.35
